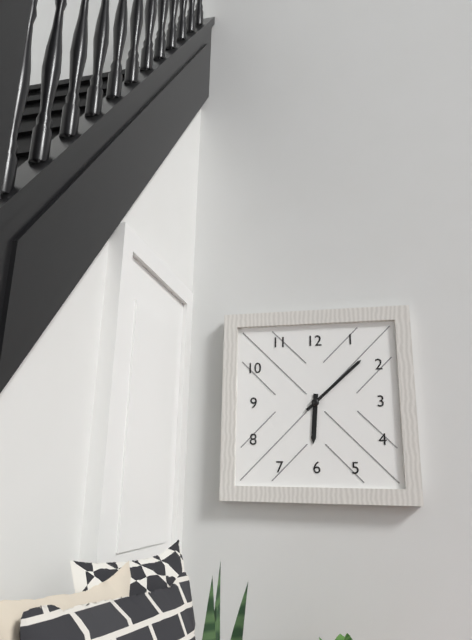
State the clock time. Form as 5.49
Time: 6.08
